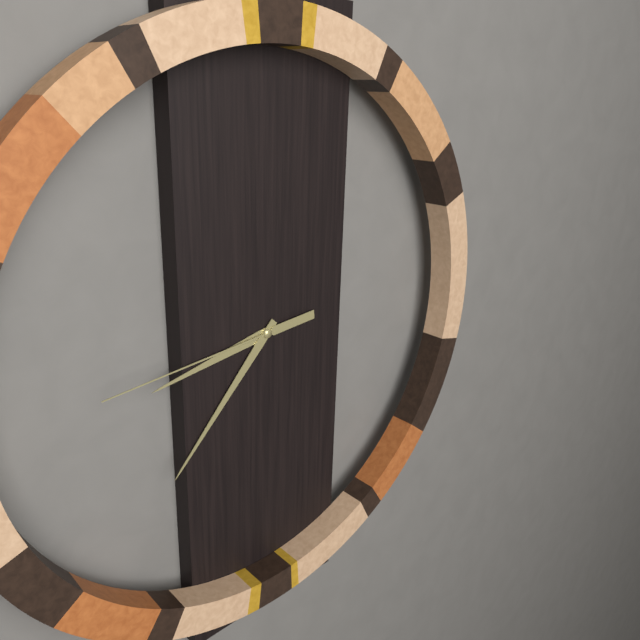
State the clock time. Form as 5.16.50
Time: 8.37.44
